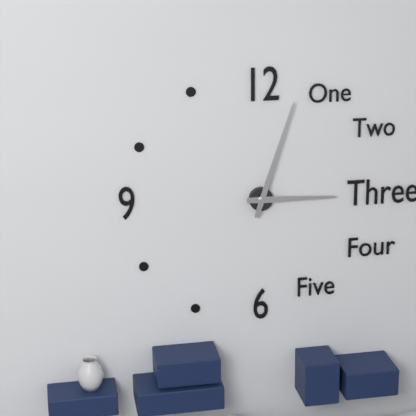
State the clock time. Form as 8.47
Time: 3.03
